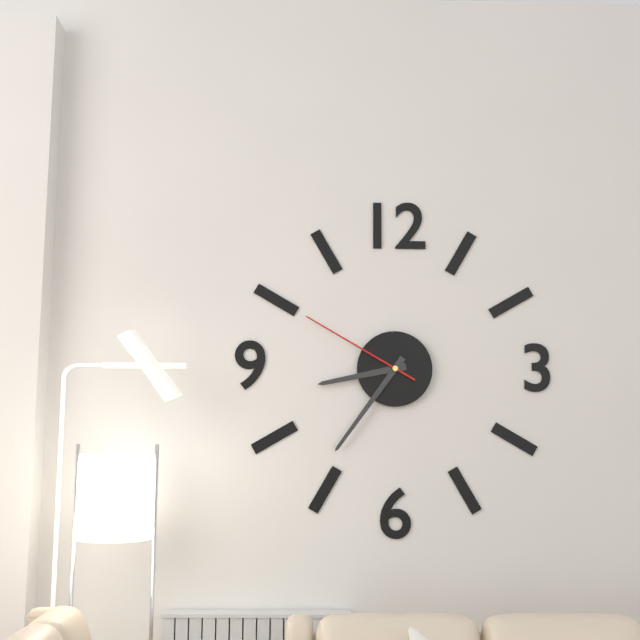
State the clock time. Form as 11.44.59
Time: 8.36.50
